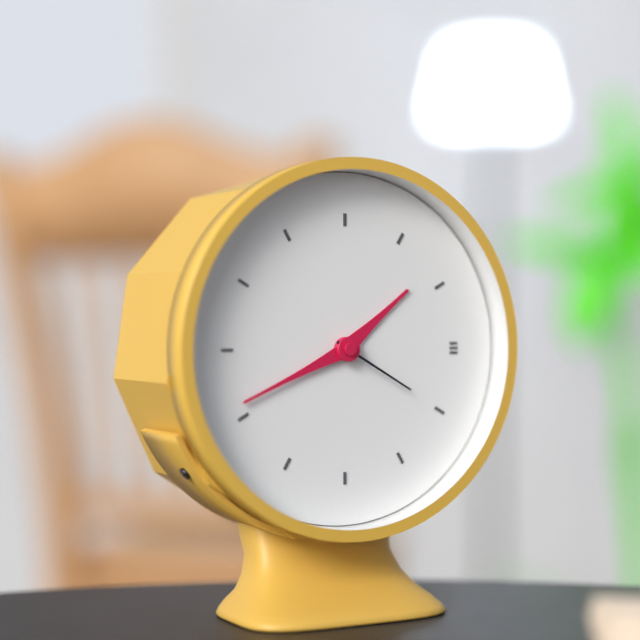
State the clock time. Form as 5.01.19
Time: 1.41.20
